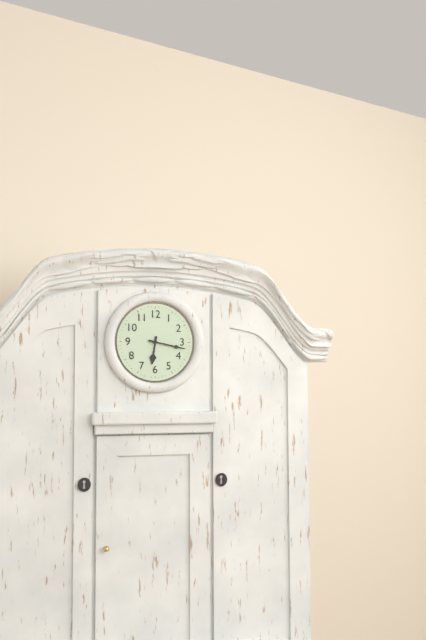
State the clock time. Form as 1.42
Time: 6.17
